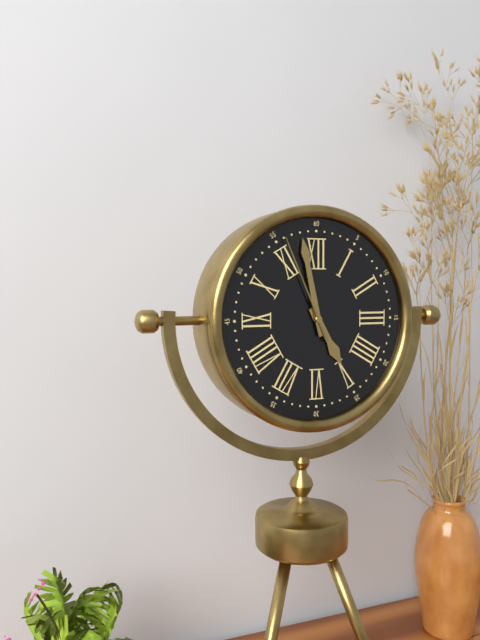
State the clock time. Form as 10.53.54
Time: 4.58.56
